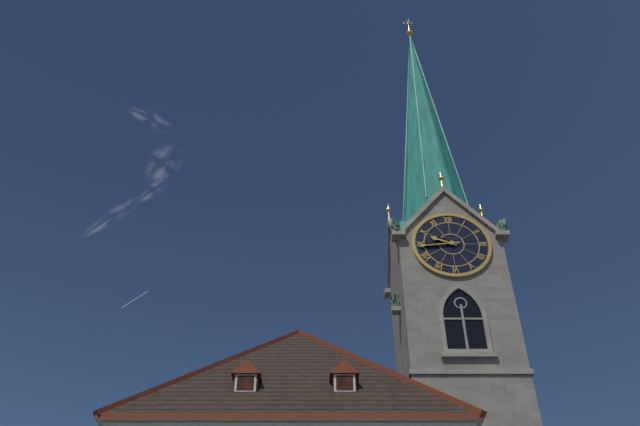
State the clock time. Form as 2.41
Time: 9.44
